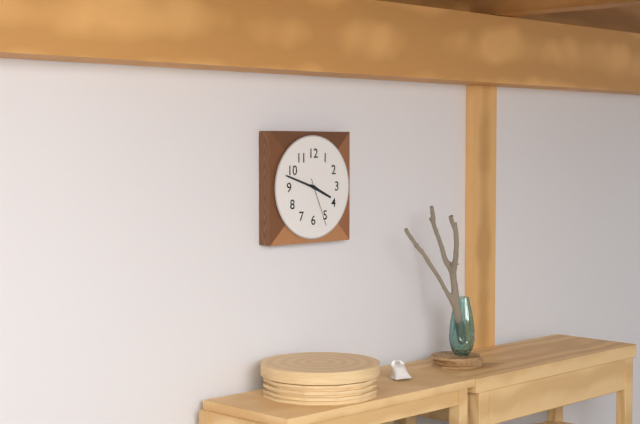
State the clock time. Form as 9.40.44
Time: 3.48.26
